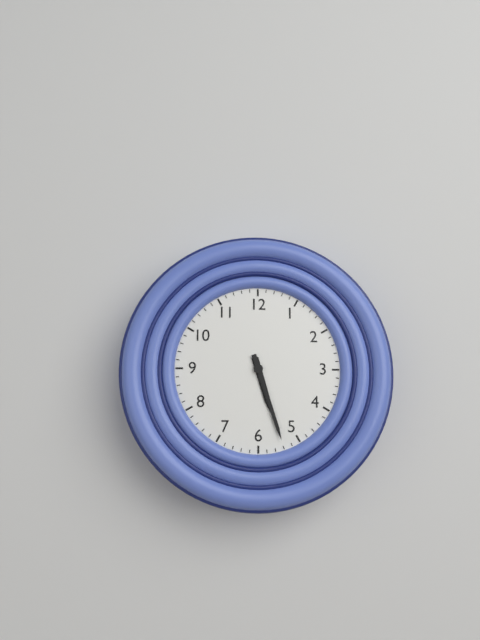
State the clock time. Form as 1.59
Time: 5.27
